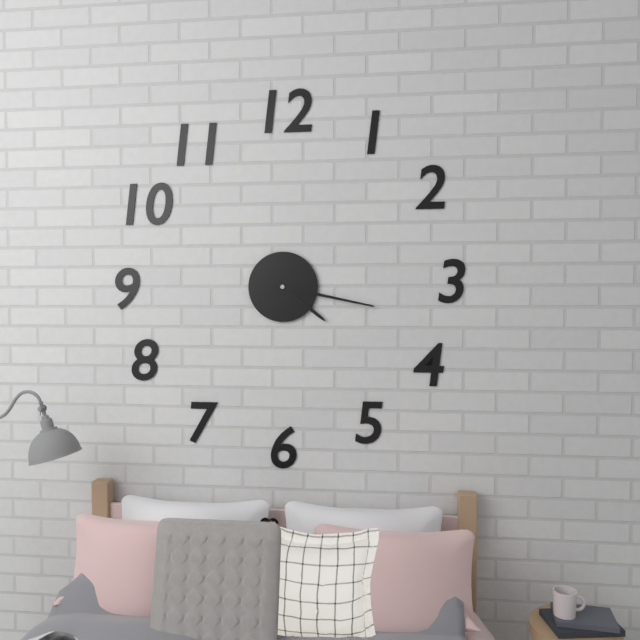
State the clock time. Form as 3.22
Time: 4.17
